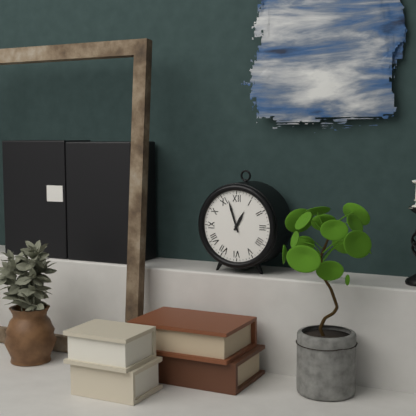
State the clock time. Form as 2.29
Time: 12.57
